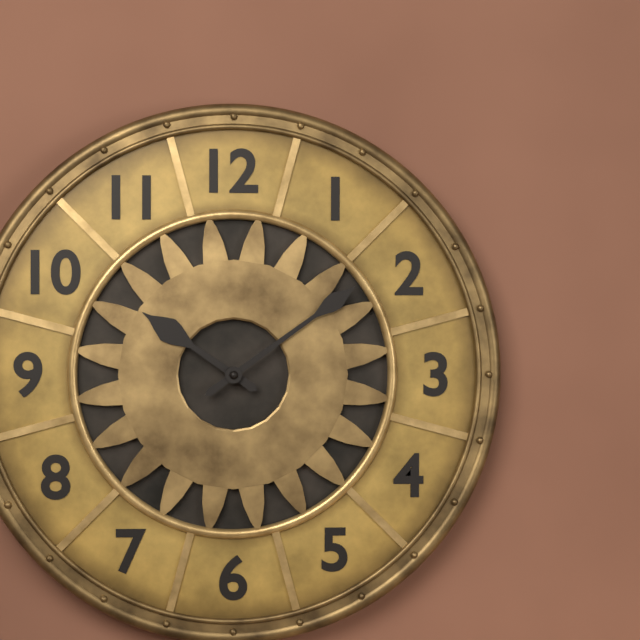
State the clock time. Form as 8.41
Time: 10.09
